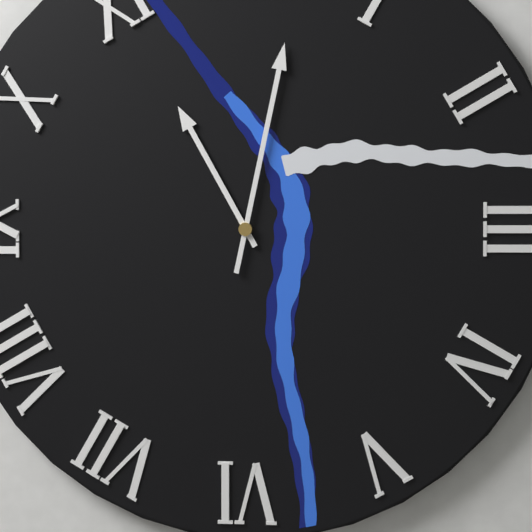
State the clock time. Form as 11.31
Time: 11.02
